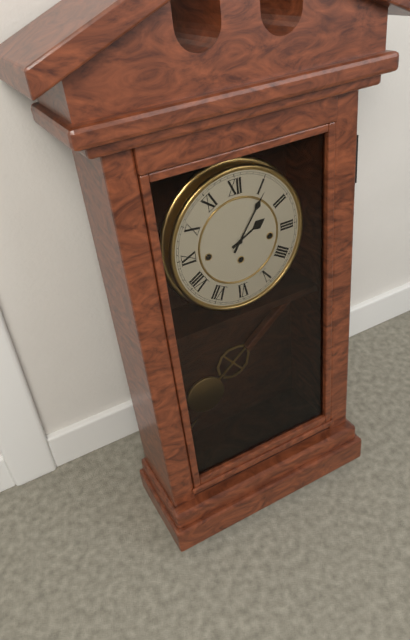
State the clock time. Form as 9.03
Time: 2.06
